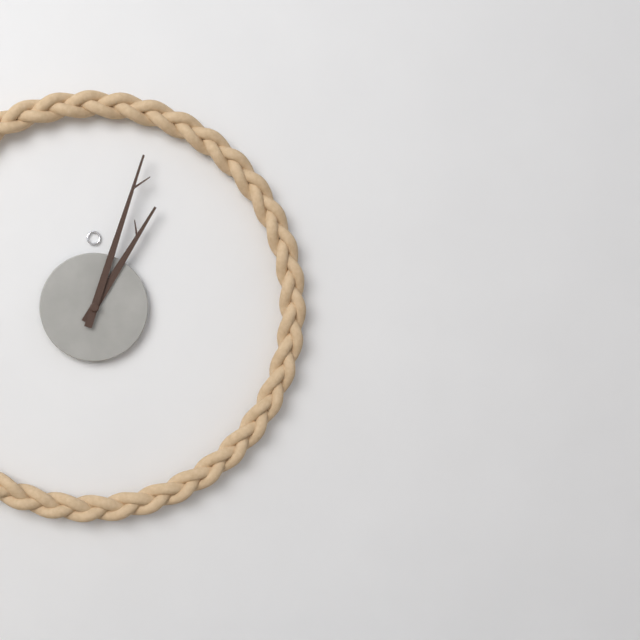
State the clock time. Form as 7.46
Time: 1.03
